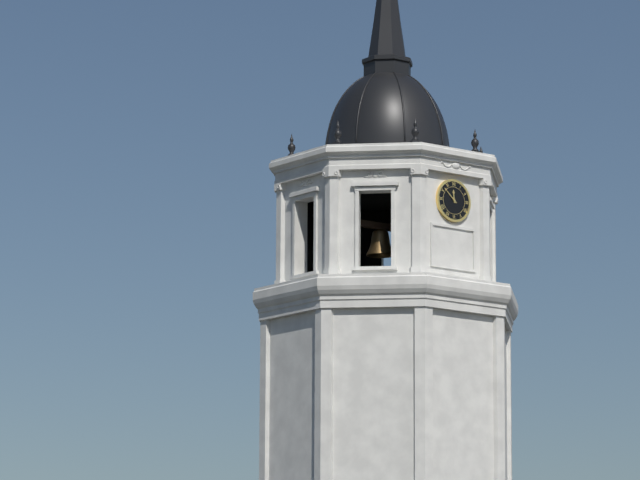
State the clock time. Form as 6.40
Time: 11.52
